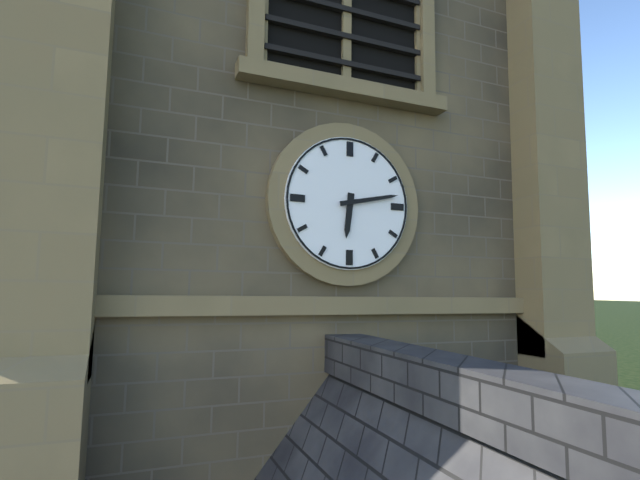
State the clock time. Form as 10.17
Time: 6.13
